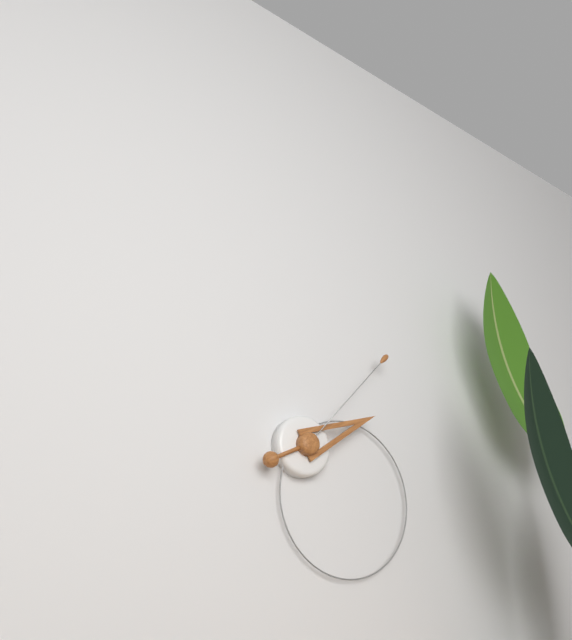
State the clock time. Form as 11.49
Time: 2.07
